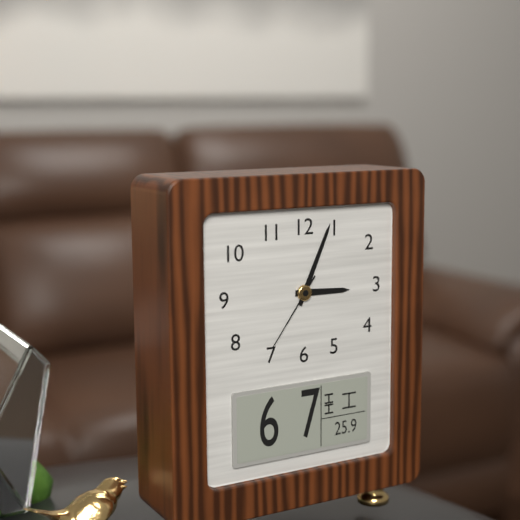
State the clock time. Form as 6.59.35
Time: 3.04.36
